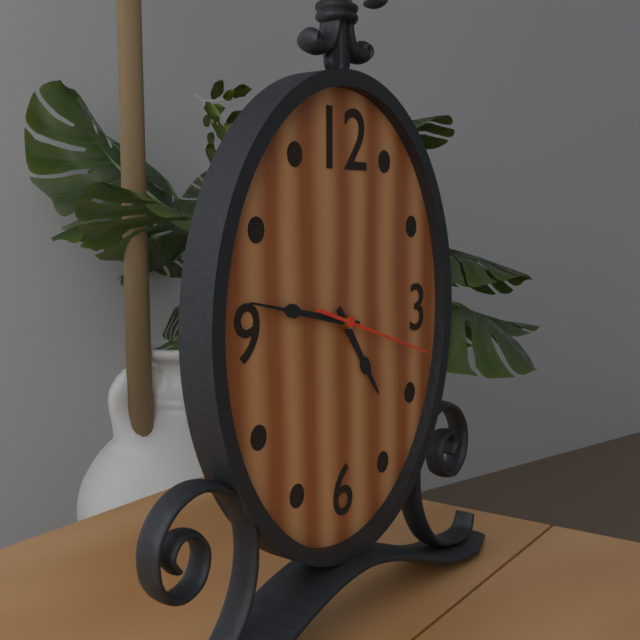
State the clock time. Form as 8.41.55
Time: 4.47.18
